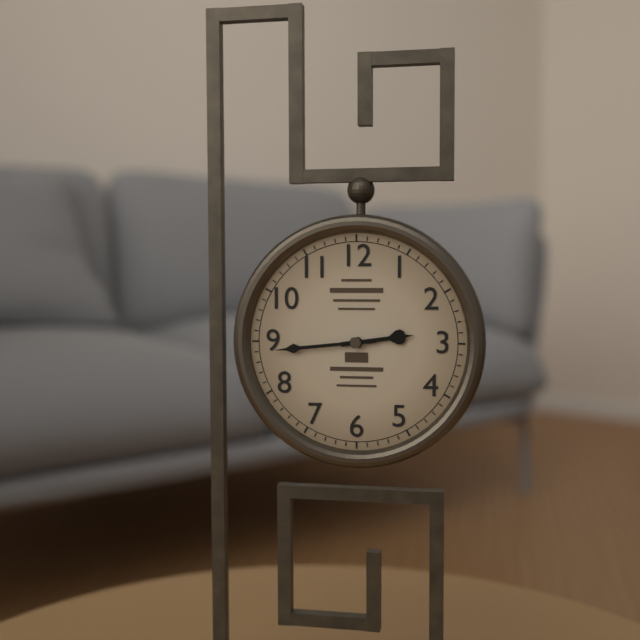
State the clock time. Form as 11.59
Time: 2.44
